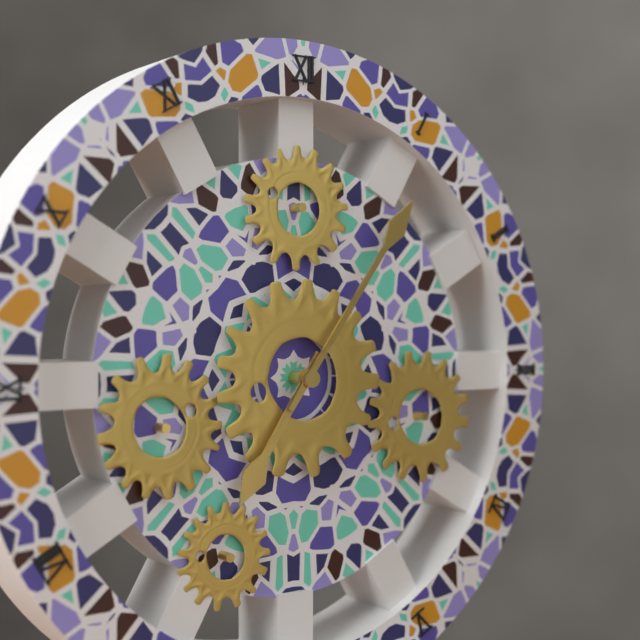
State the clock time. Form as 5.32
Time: 7.06
